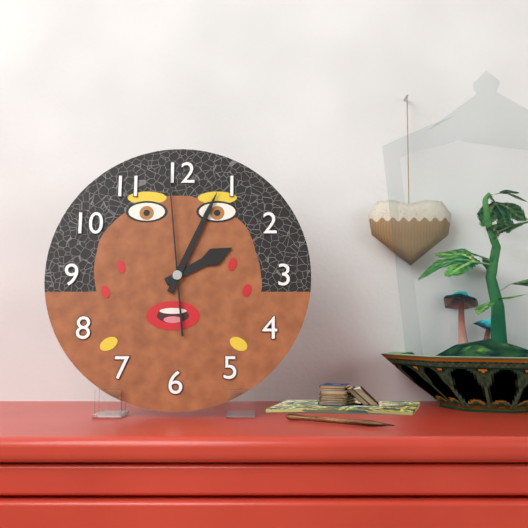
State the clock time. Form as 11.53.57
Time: 2.04.59
